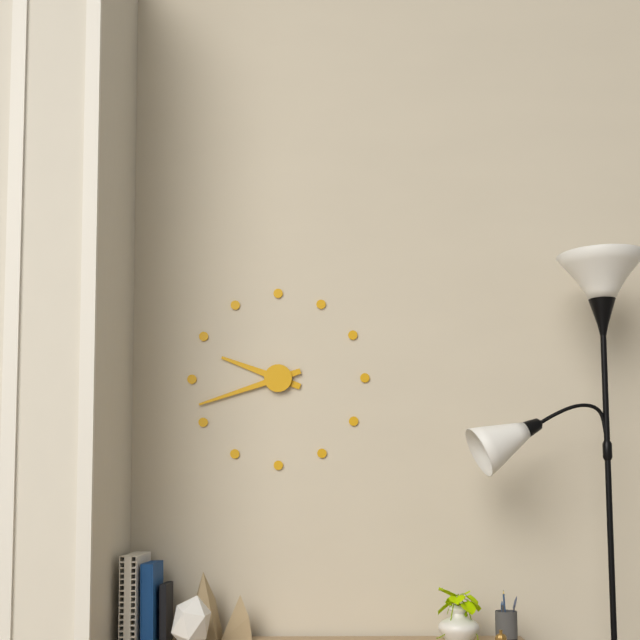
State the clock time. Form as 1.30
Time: 9.42
